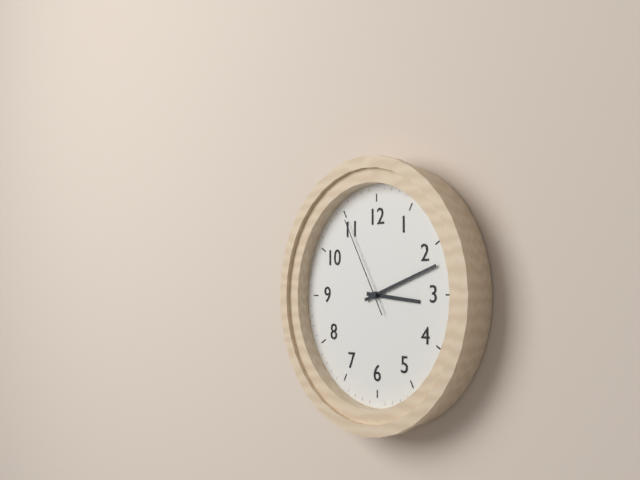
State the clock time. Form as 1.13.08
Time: 3.12.55
